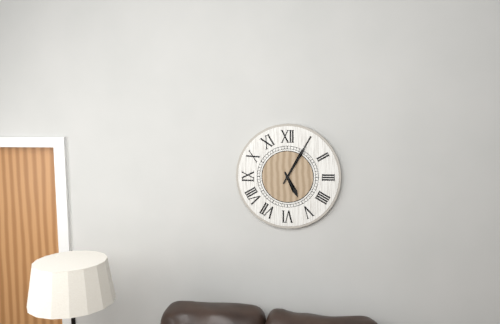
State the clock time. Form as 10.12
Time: 5.05
